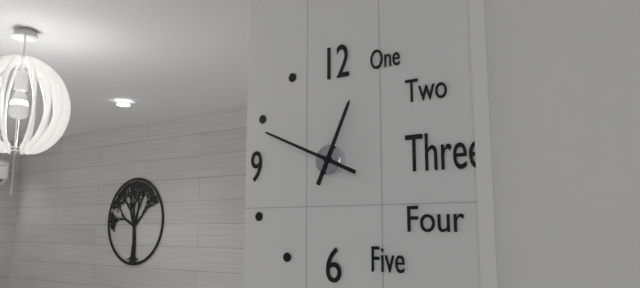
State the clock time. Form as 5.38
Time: 12.49
